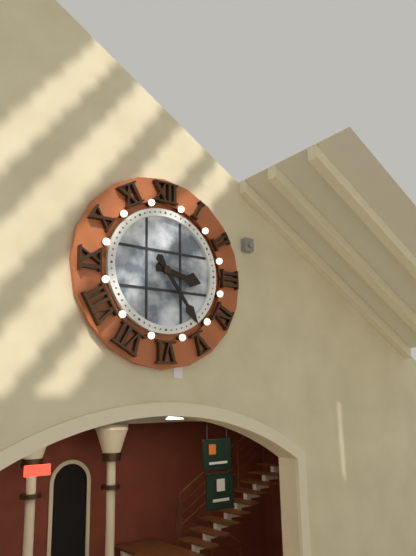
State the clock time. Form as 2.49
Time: 3.24
